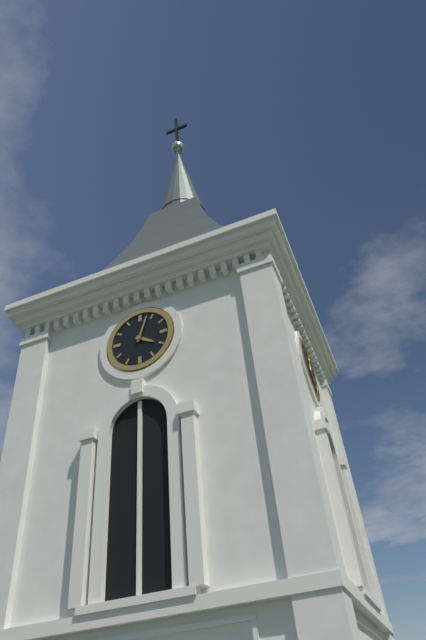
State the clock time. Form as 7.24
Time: 4.03
